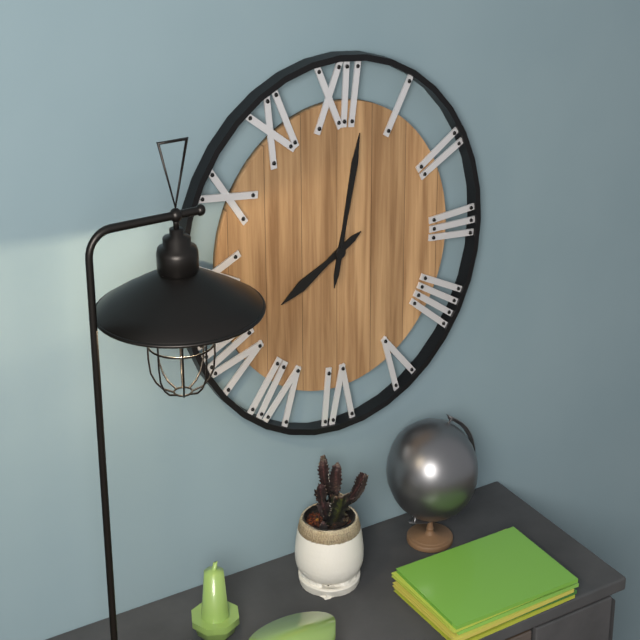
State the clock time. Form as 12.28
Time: 8.02
